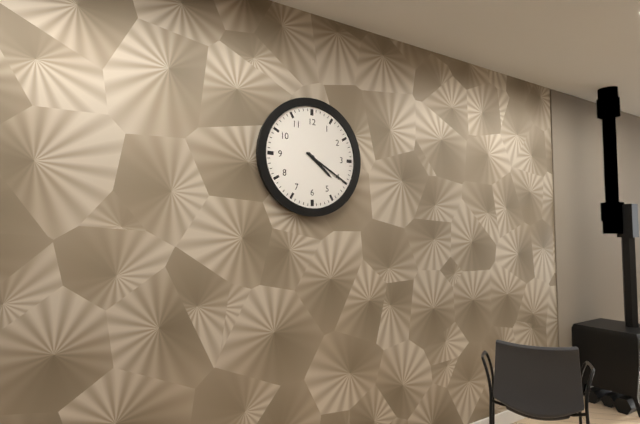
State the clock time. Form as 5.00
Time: 4.20
